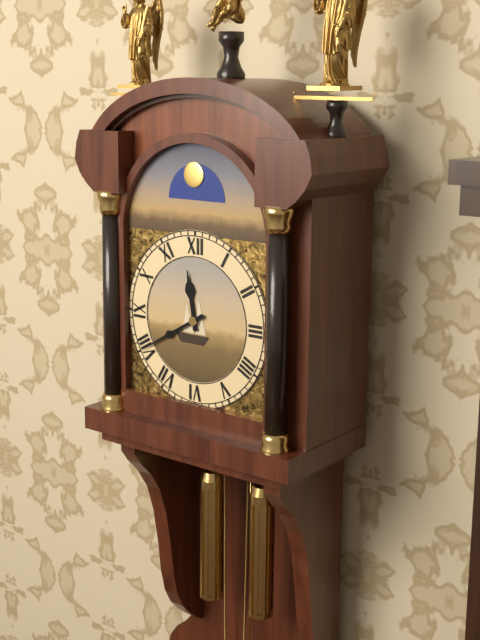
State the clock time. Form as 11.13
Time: 11.40
